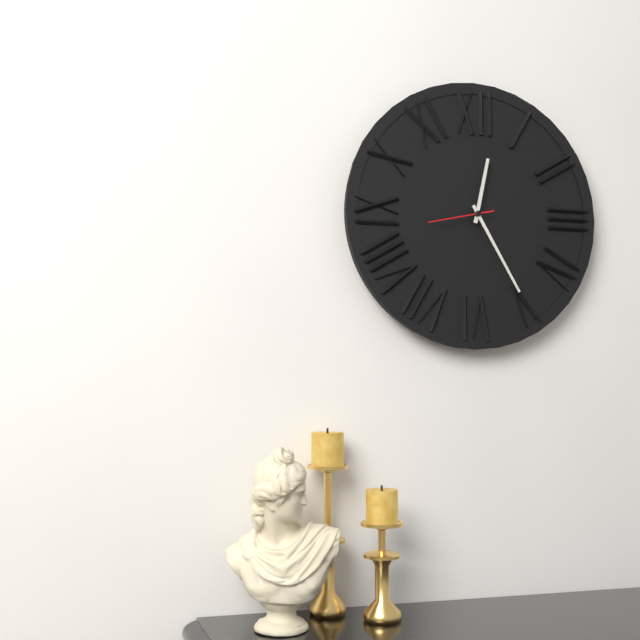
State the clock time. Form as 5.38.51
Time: 12.25.43
